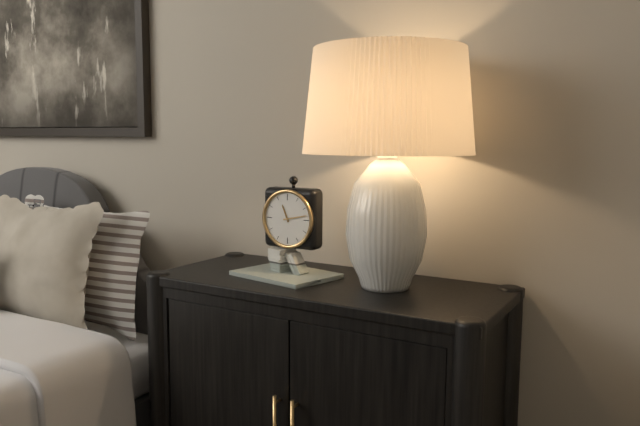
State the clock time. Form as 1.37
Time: 11.13
